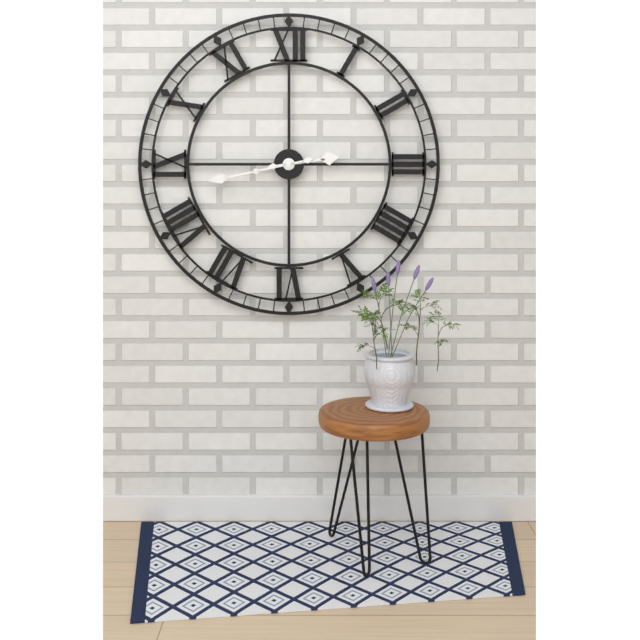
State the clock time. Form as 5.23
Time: 2.43
